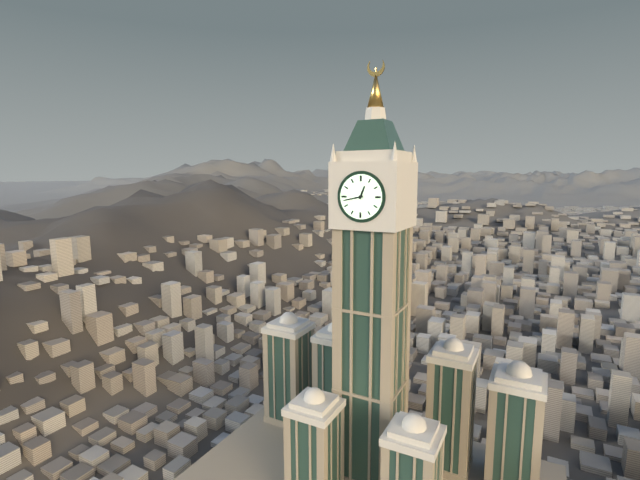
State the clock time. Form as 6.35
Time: 12.43
